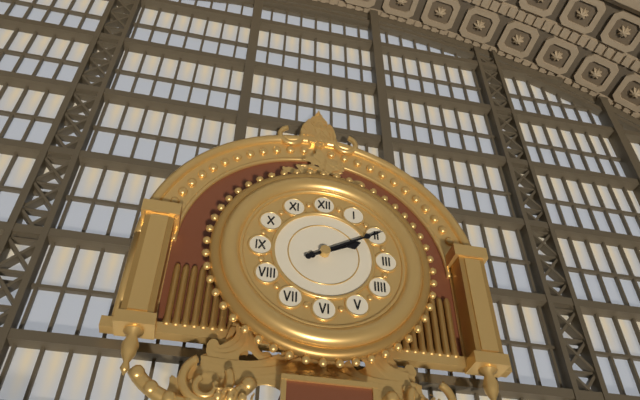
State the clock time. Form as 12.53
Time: 2.10
